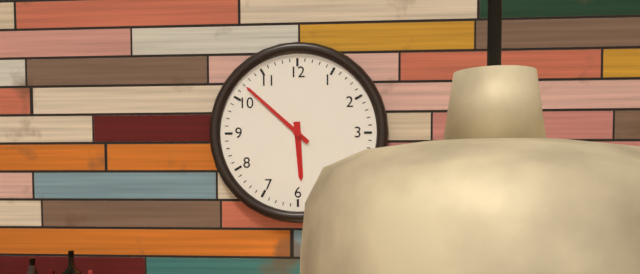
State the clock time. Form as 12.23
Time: 5.52
